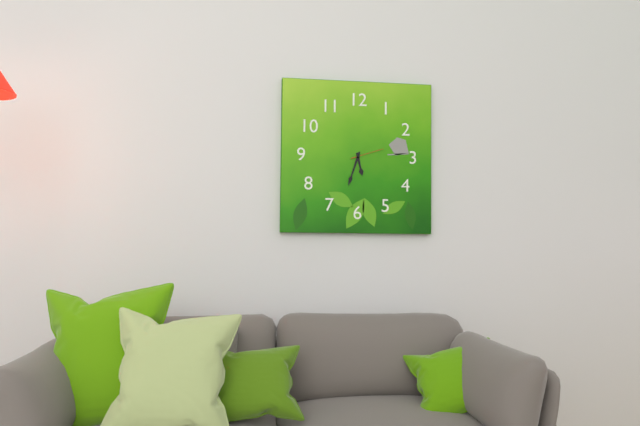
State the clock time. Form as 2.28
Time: 5.33
